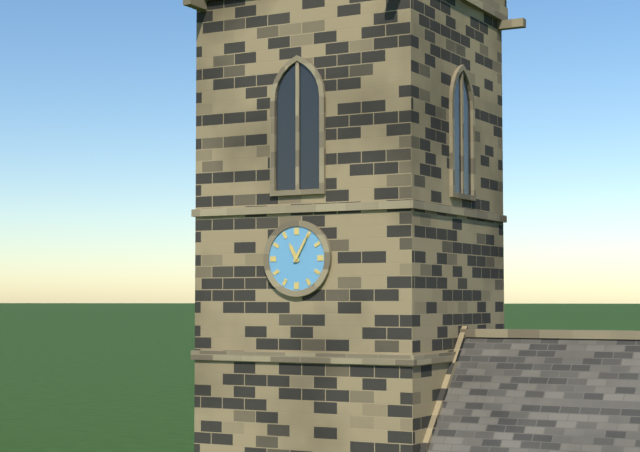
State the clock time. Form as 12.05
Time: 11.05
